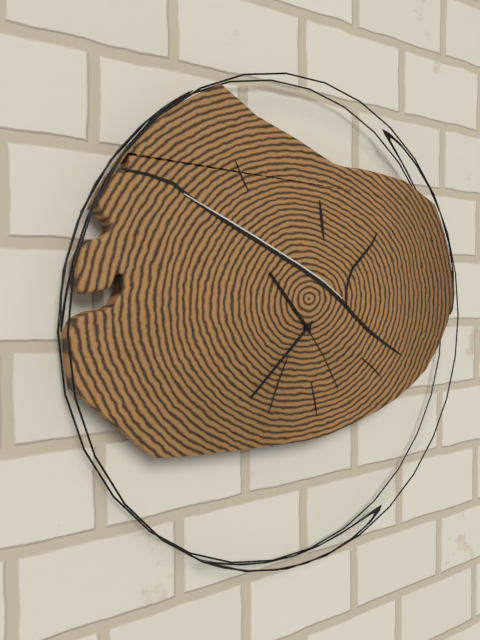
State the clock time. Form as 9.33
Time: 10.38
